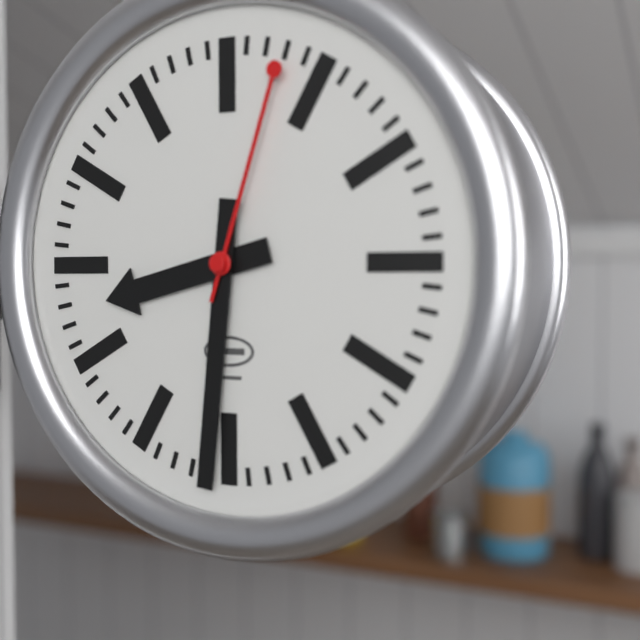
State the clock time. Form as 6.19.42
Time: 8.31.03
